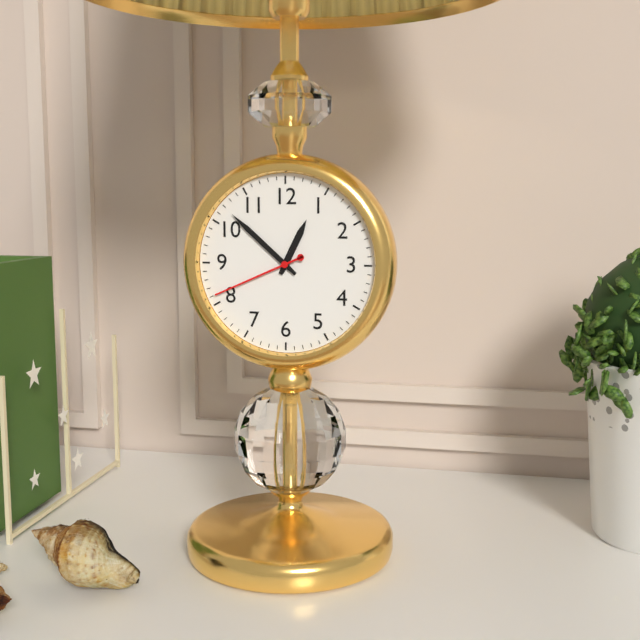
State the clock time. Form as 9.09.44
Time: 12.52.41
